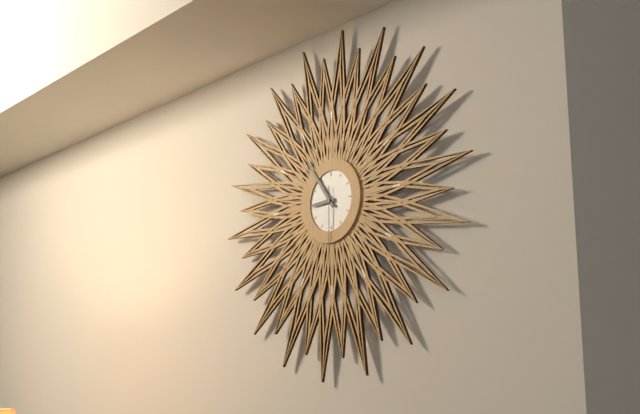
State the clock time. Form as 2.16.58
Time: 8.54.30
